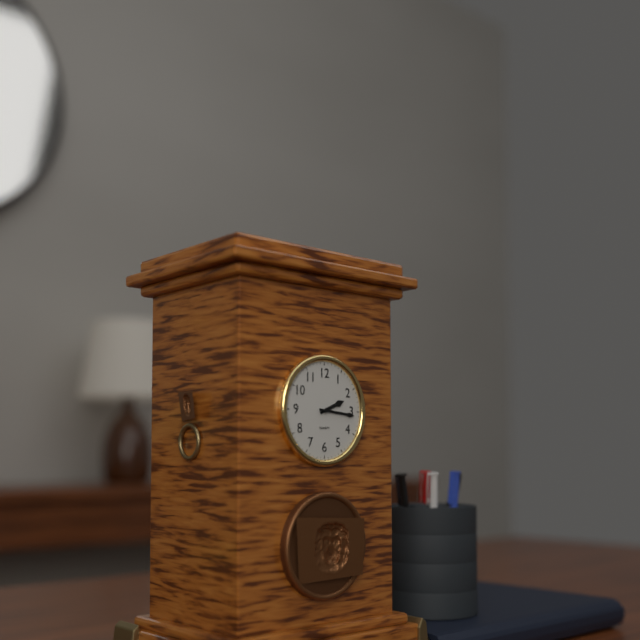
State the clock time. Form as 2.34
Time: 2.16
